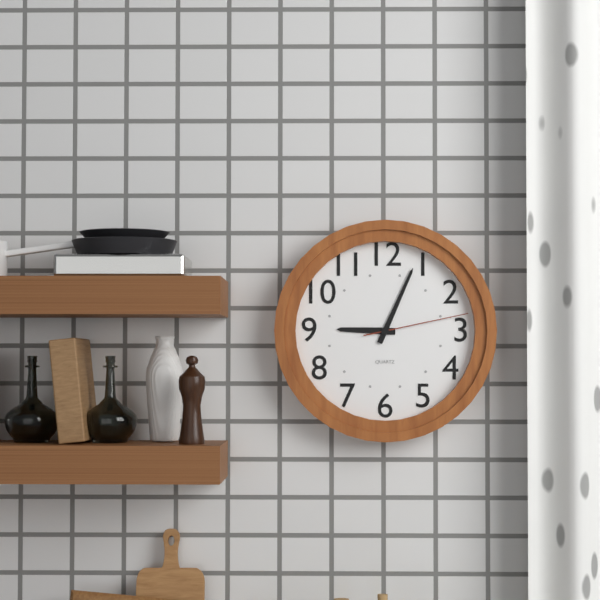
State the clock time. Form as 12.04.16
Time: 9.04.13
